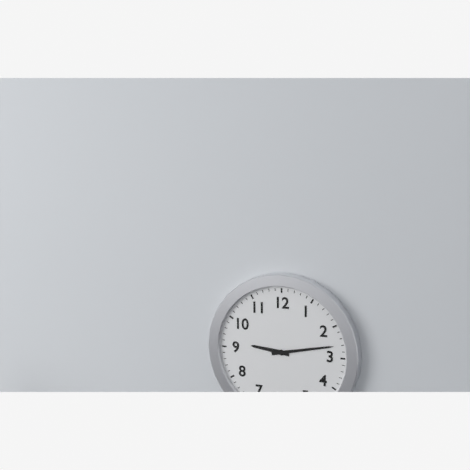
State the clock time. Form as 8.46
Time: 9.13
